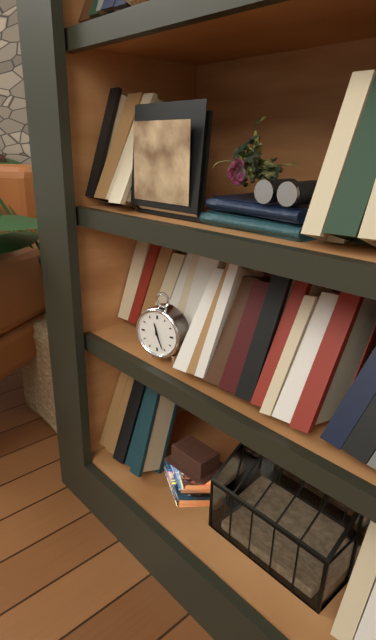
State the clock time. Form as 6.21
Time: 11.26
